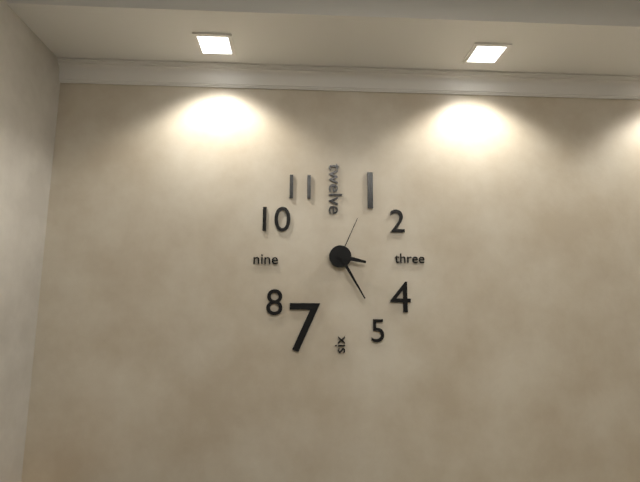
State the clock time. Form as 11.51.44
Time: 3.25.04
